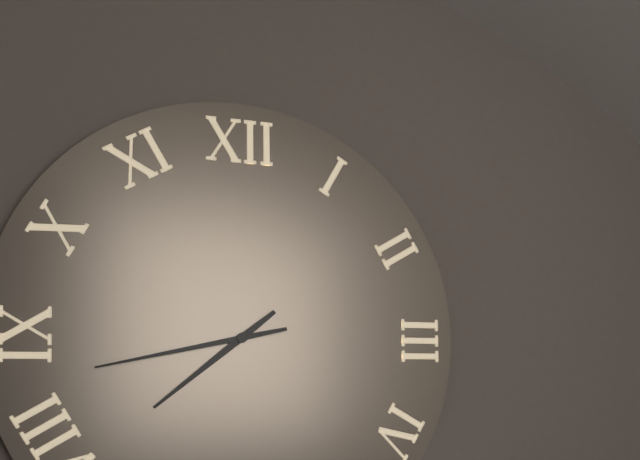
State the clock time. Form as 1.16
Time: 7.43
